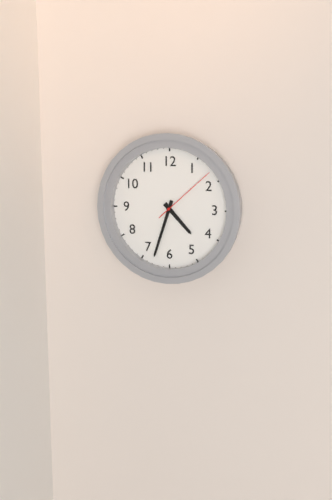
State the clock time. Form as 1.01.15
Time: 4.33.08
